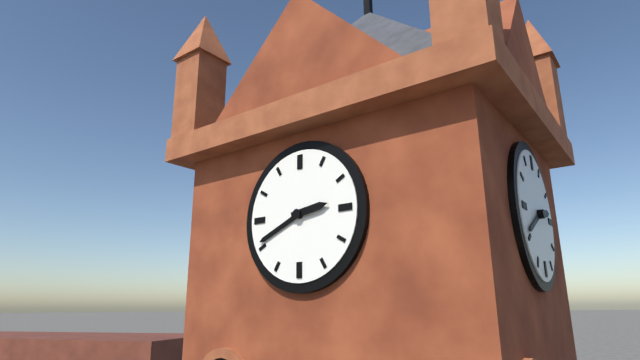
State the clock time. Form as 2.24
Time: 2.41
